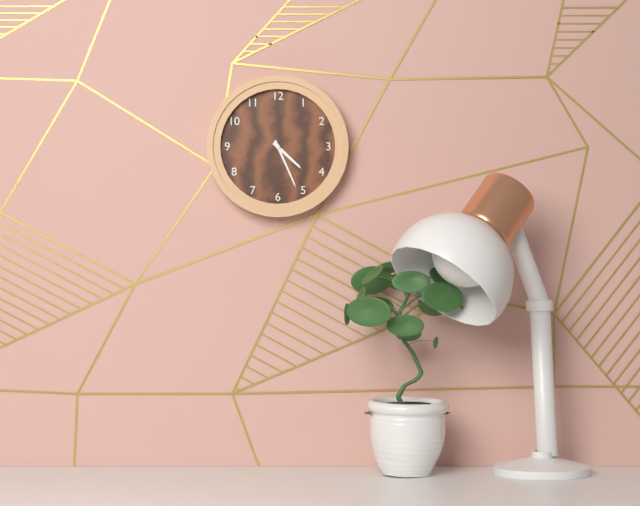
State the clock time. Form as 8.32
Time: 4.26
